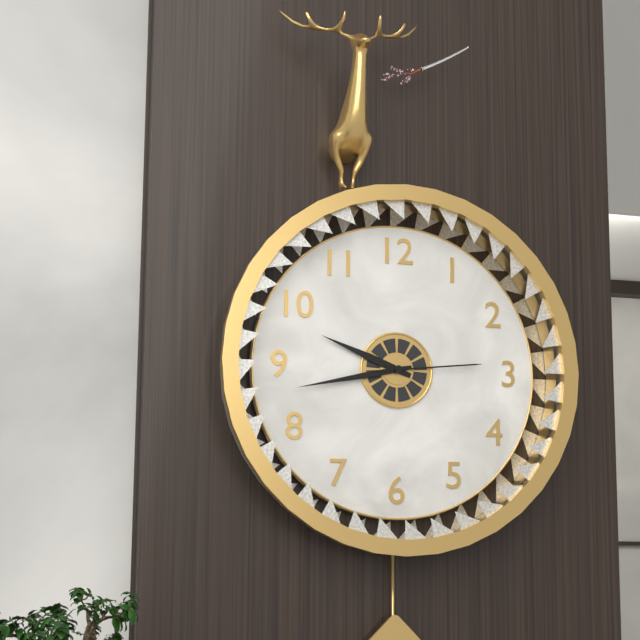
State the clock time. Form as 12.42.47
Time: 9.43.14
